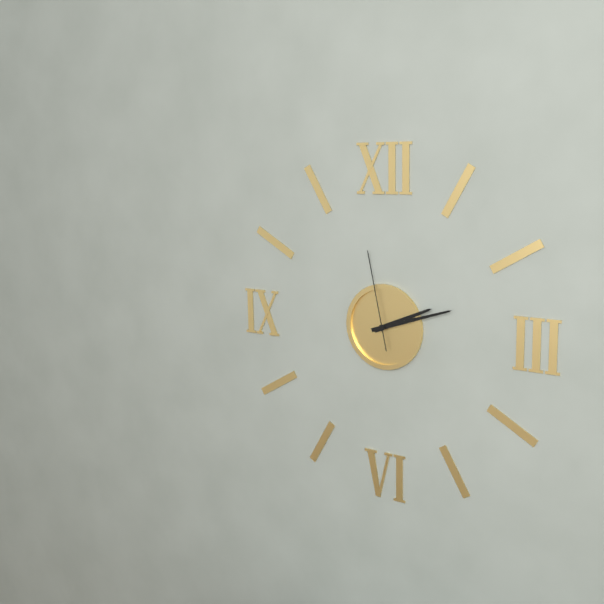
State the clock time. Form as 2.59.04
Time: 2.12.58
